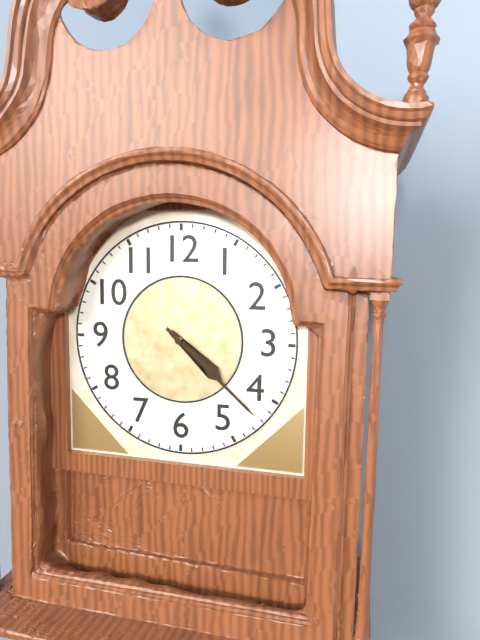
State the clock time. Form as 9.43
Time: 4.22
